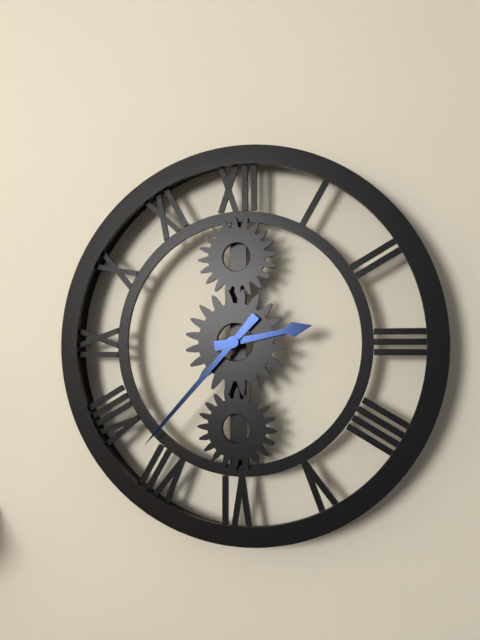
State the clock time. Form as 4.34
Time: 2.37
